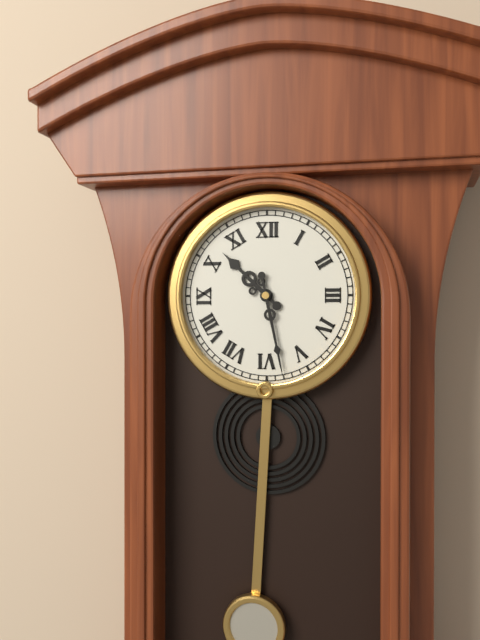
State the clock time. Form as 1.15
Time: 10.28
